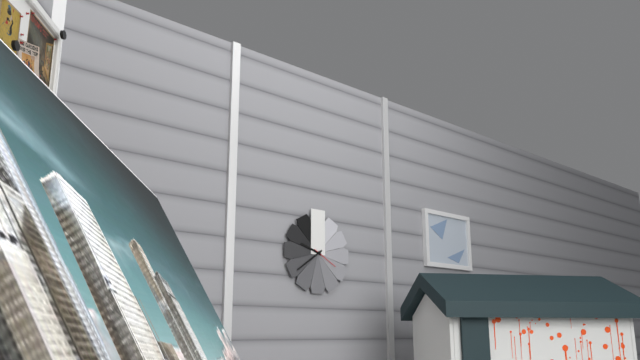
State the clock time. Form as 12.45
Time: 9.39
